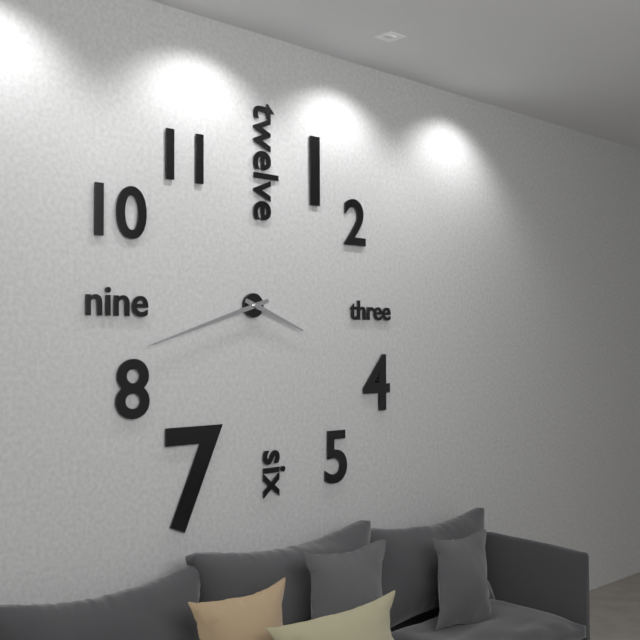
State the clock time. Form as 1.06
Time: 3.42
